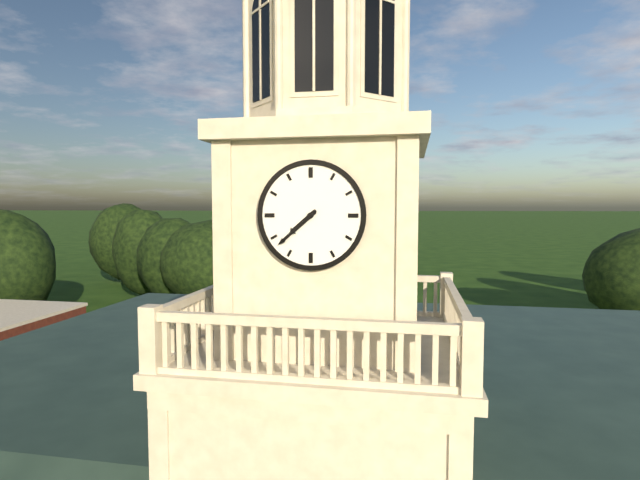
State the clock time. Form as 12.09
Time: 7.38
